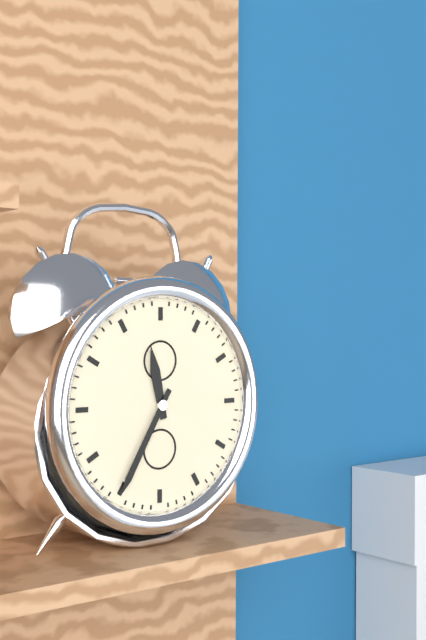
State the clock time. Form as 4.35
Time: 11.35
